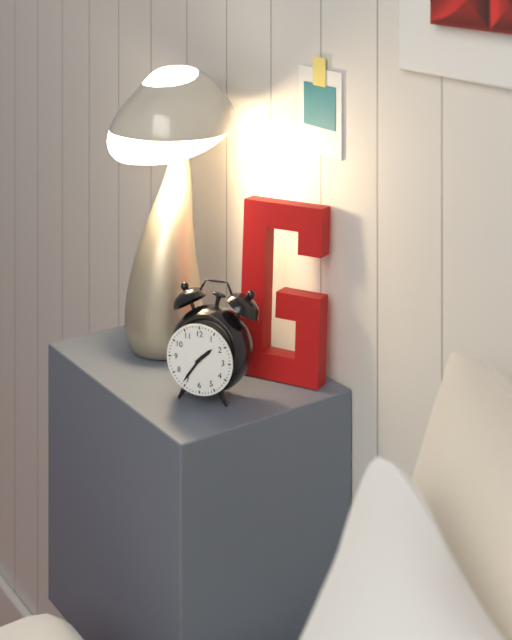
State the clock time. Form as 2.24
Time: 1.36
